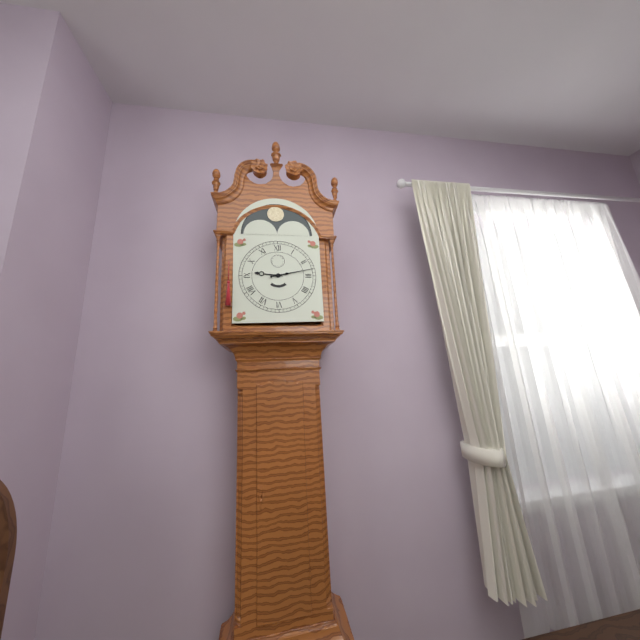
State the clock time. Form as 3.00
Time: 9.13
